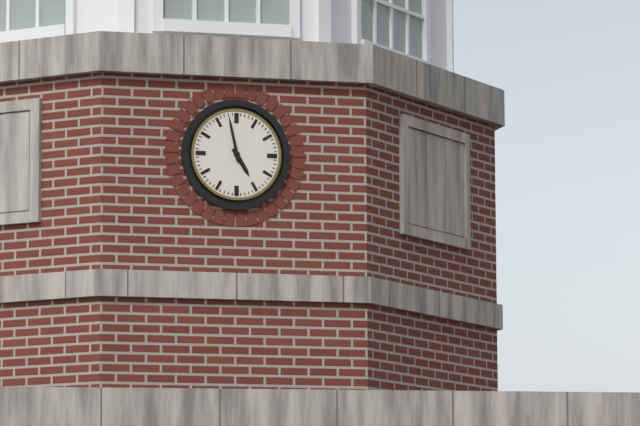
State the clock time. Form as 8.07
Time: 4.58
